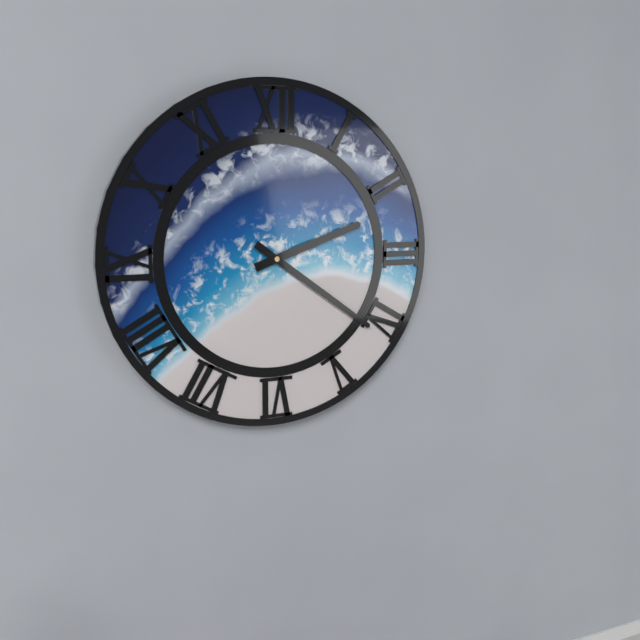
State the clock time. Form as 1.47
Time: 2.21
